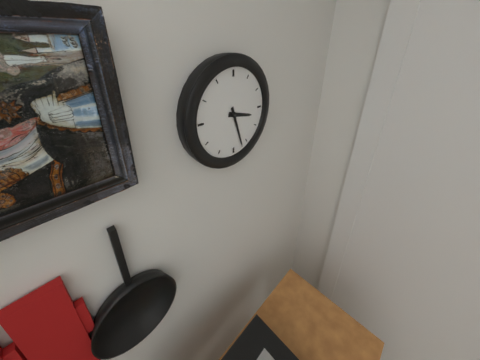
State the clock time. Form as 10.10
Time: 3.27
